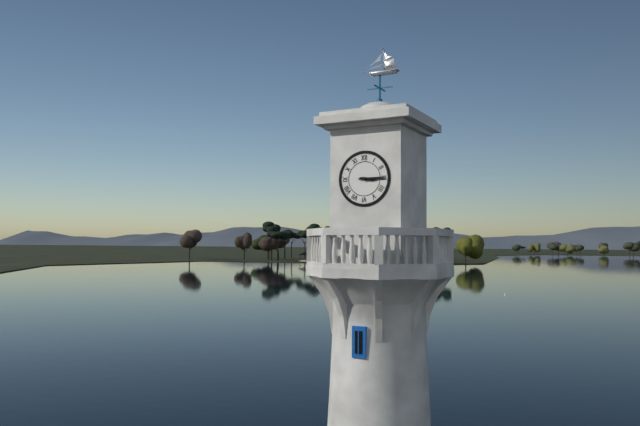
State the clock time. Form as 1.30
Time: 3.15
